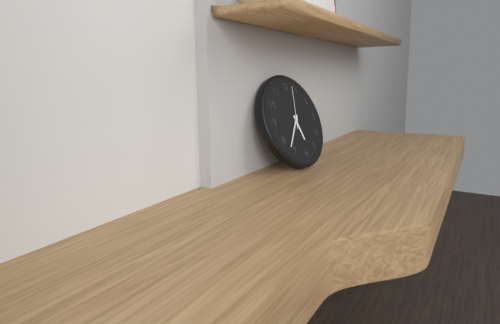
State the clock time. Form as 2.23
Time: 5.37
